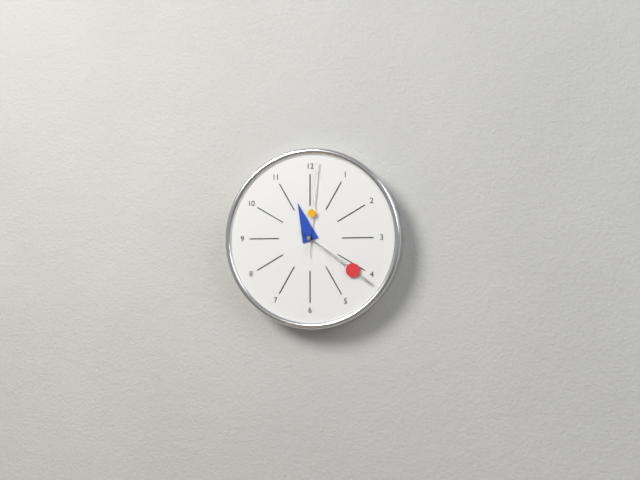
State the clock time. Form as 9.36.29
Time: 11.21.01
